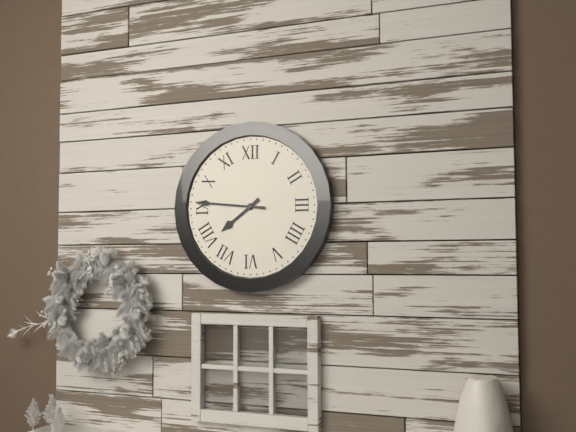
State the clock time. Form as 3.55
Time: 7.46
